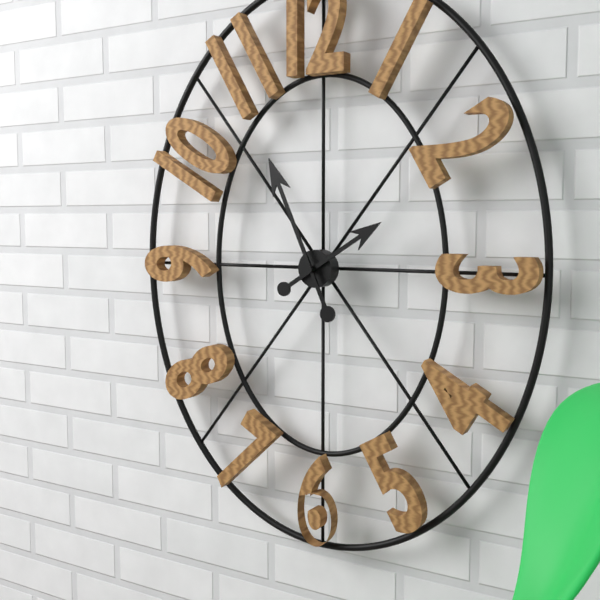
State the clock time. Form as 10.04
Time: 1.56
